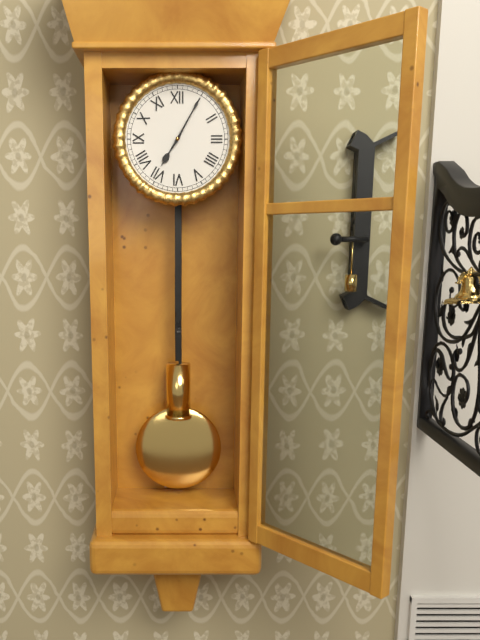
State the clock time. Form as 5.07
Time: 7.05
